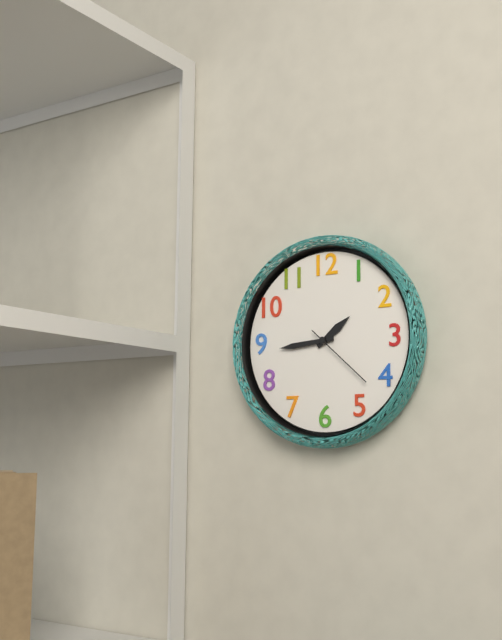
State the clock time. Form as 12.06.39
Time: 1.44.22
